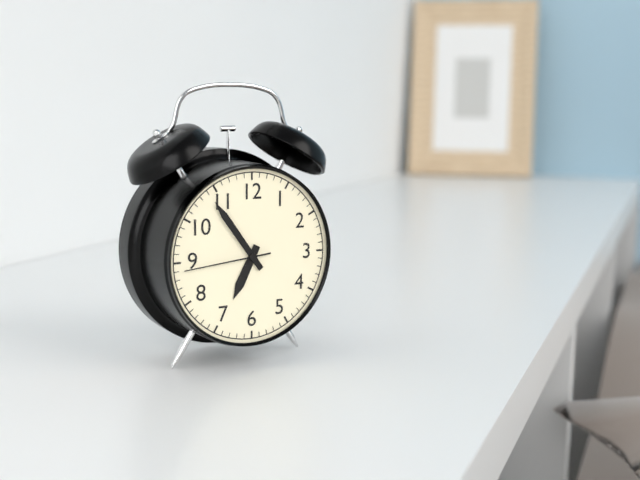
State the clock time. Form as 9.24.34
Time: 6.54.44
